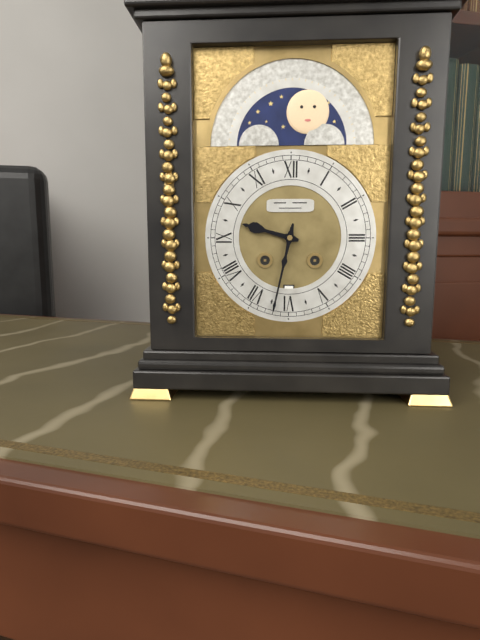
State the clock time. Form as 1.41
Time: 9.32
